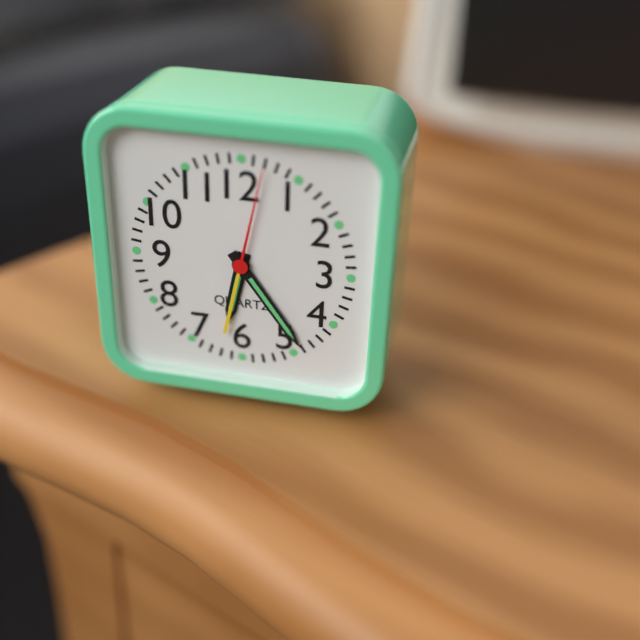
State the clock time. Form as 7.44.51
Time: 6.24.02
